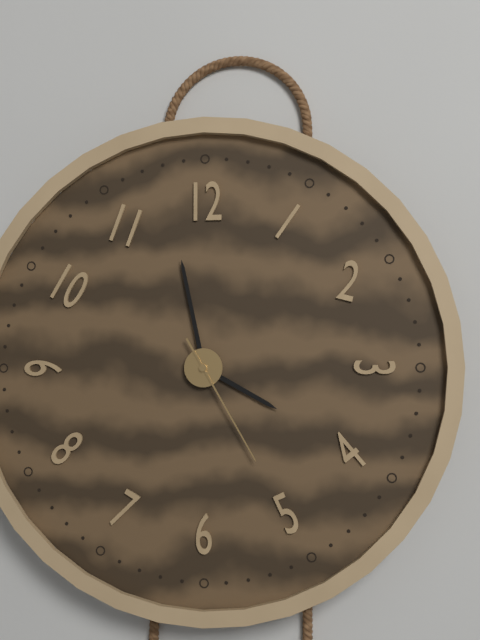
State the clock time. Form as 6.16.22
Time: 3.58.25
